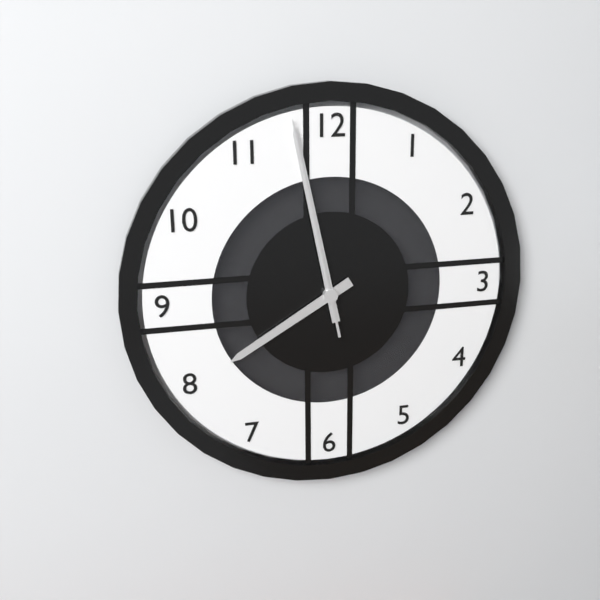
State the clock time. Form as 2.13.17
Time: 7.58.58
